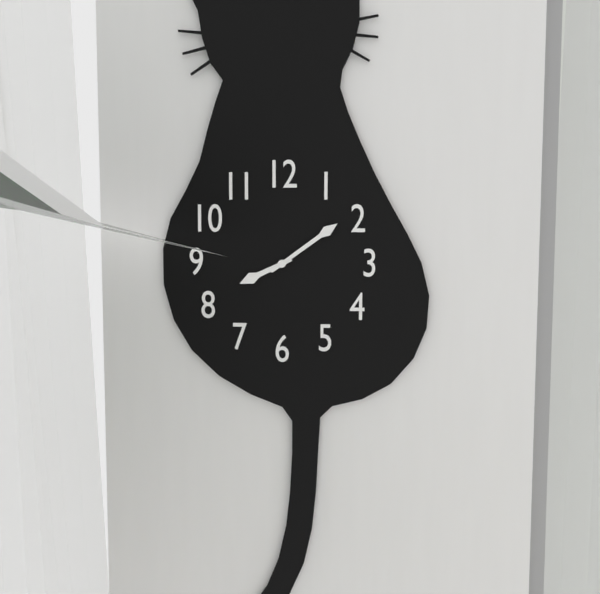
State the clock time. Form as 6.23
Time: 8.09
